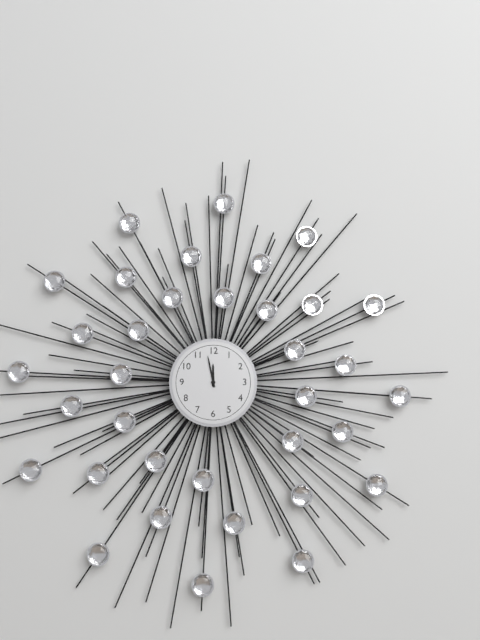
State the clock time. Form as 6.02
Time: 11.58
